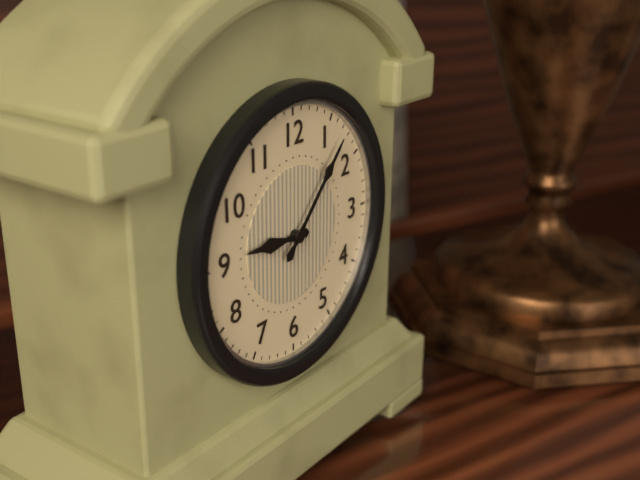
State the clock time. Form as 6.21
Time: 9.07
